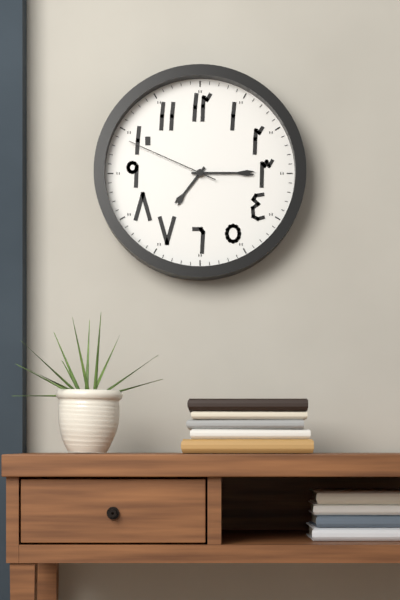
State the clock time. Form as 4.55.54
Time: 7.15.49
